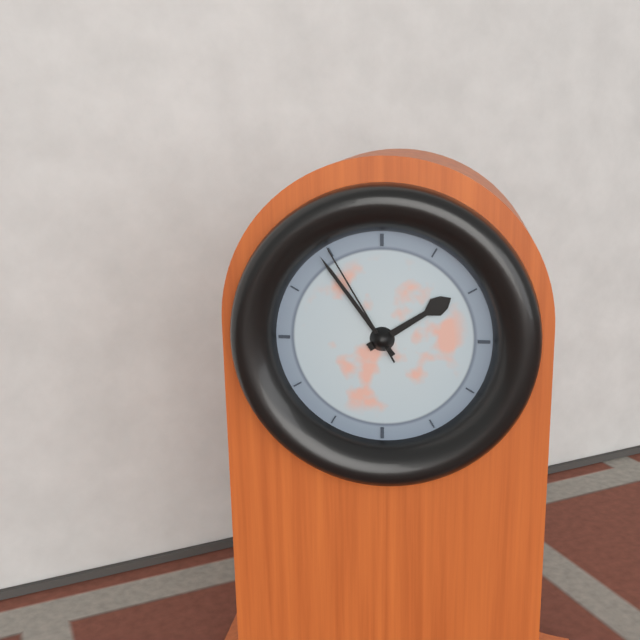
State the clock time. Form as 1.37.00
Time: 1.54.55
